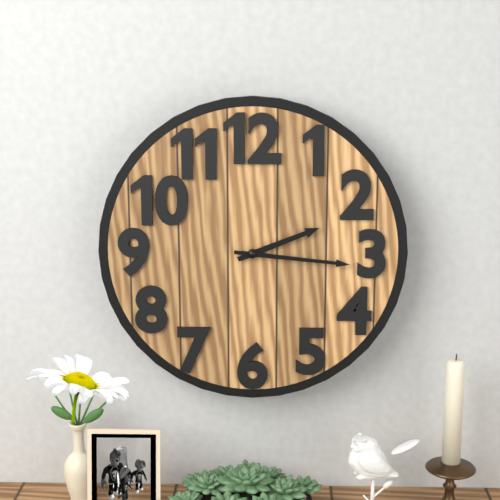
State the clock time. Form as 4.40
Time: 2.16
